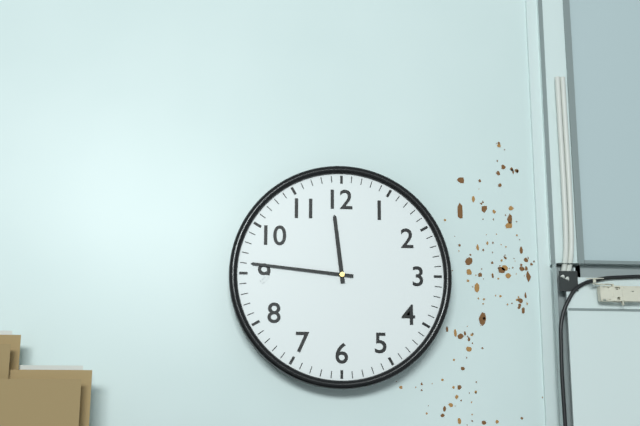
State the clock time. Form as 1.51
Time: 11.46
